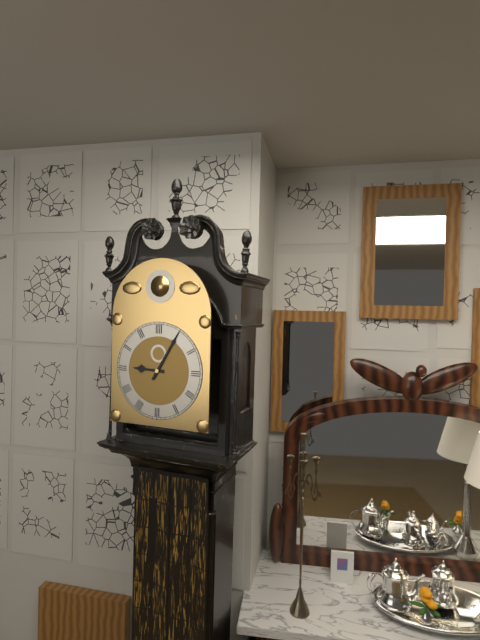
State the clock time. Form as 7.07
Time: 9.05
